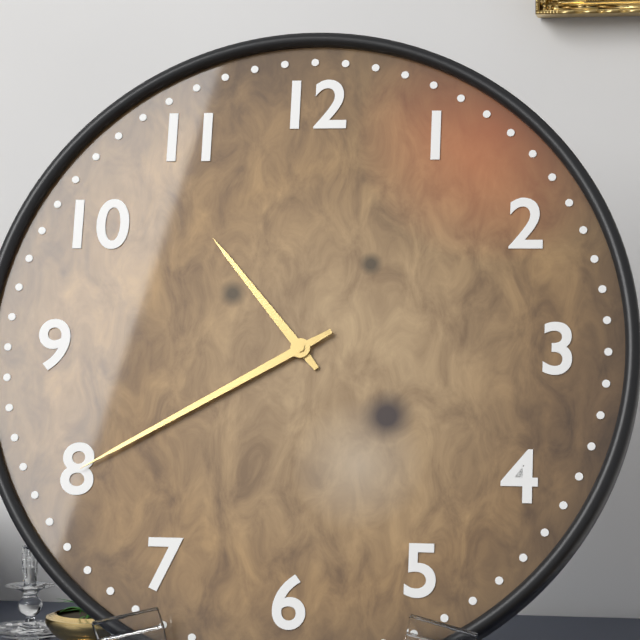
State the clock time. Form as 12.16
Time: 10.40
